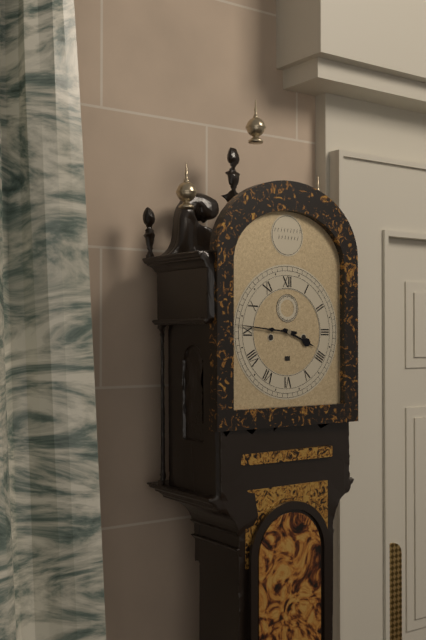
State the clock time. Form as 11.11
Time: 3.46
